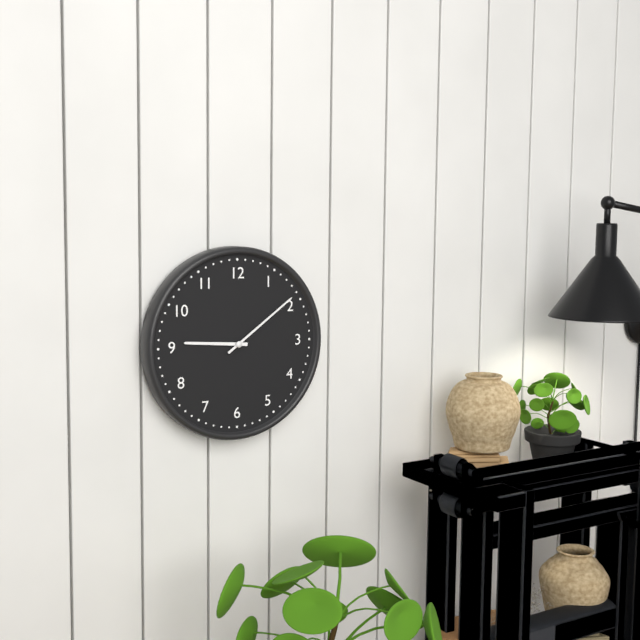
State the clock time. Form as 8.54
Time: 9.09
